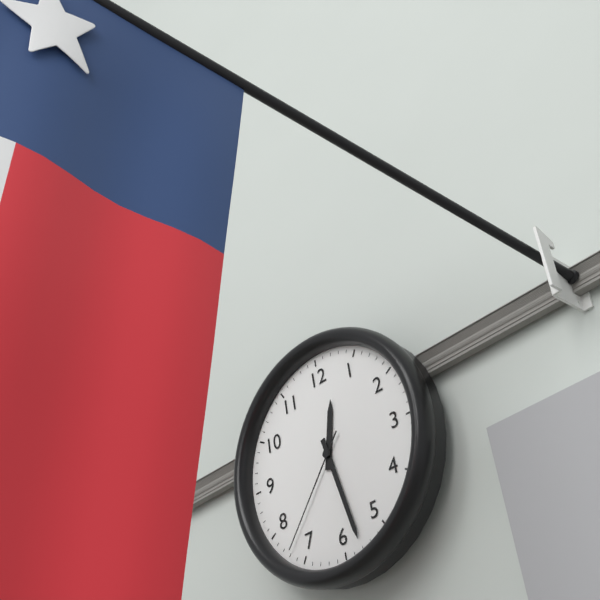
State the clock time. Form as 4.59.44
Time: 12.28.37
